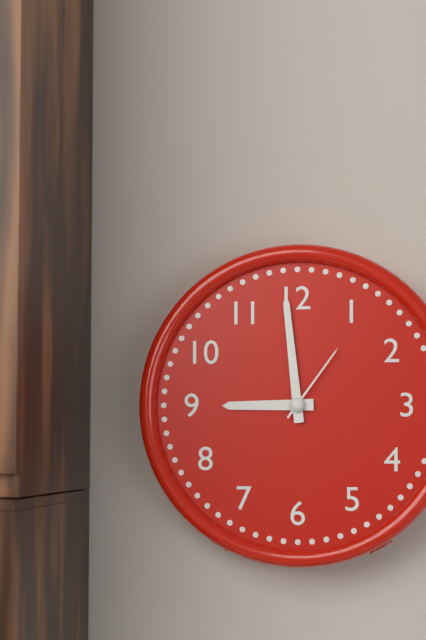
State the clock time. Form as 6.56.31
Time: 8.59.06
